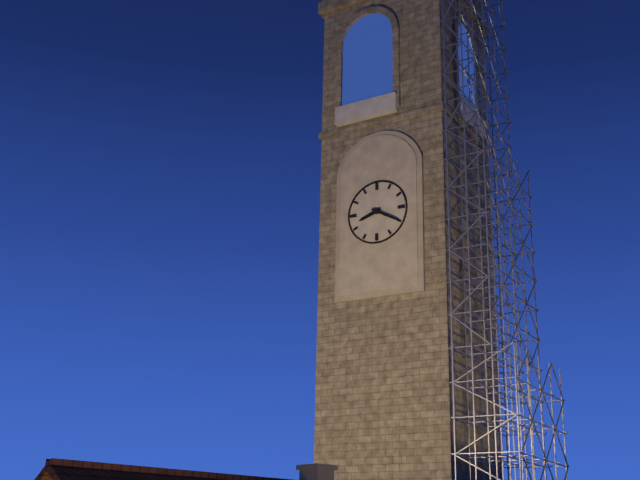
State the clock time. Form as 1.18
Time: 8.20
